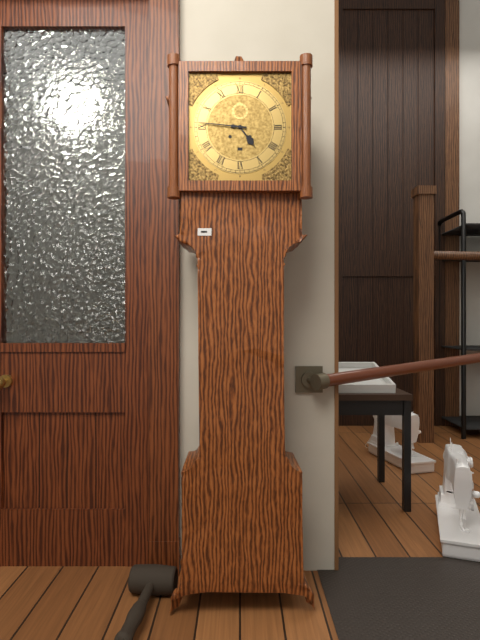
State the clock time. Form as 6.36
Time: 4.46
